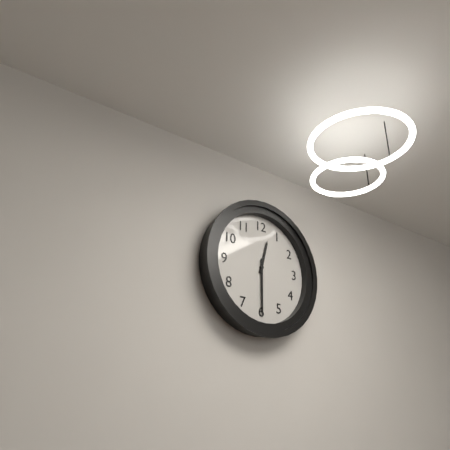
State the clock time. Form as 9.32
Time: 12.30
